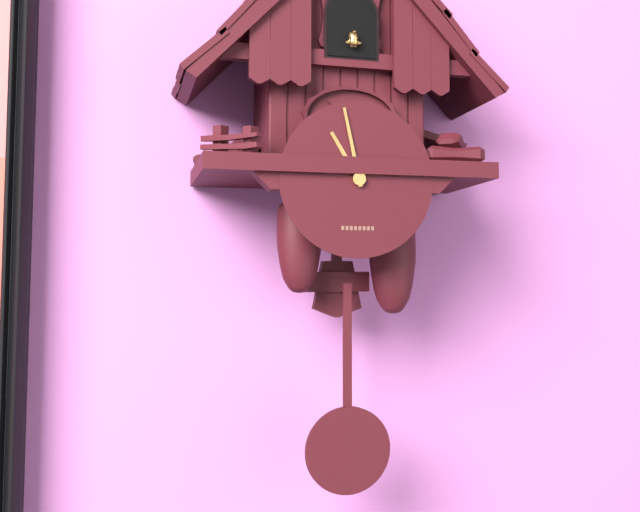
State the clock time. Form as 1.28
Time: 10.58
